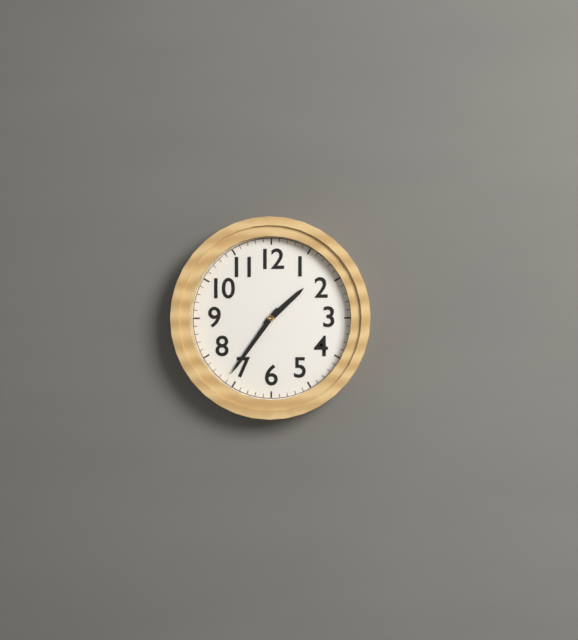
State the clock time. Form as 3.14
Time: 1.36
